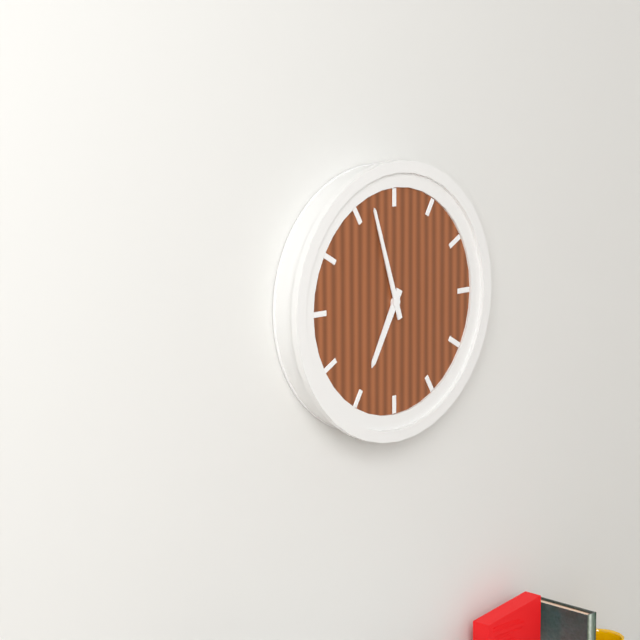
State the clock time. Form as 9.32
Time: 6.57
